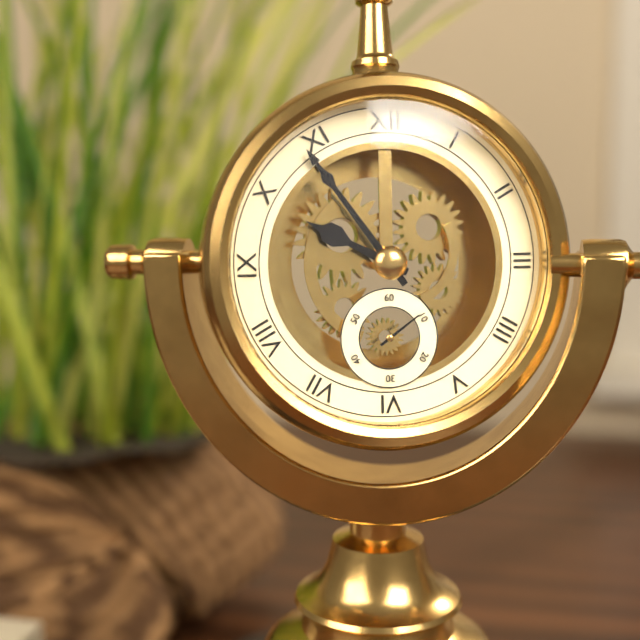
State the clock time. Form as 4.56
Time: 9.54
